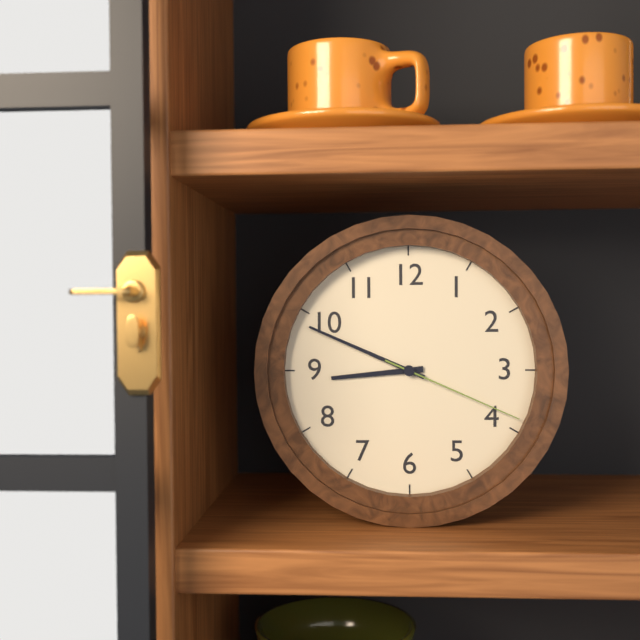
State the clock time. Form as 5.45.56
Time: 8.49.19
